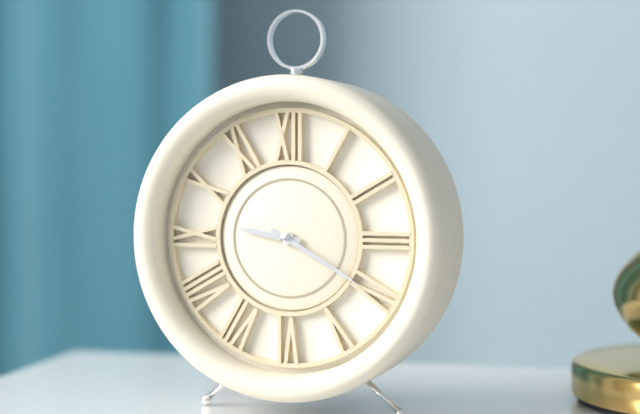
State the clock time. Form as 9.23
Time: 9.20
